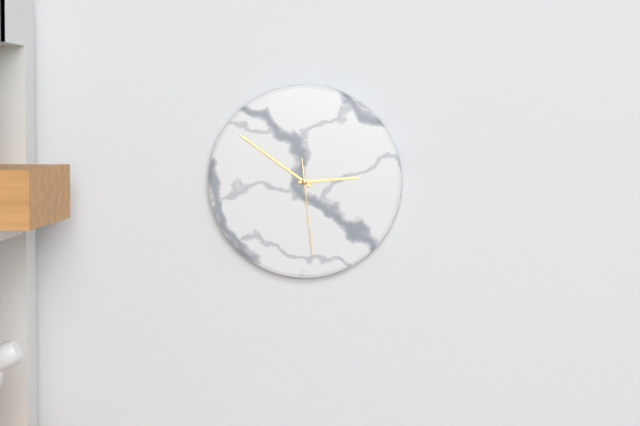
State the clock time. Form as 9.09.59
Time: 2.51.29
